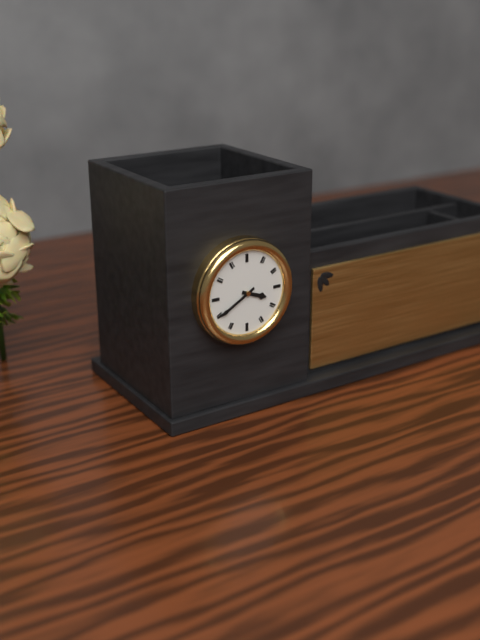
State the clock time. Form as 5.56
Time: 3.40
